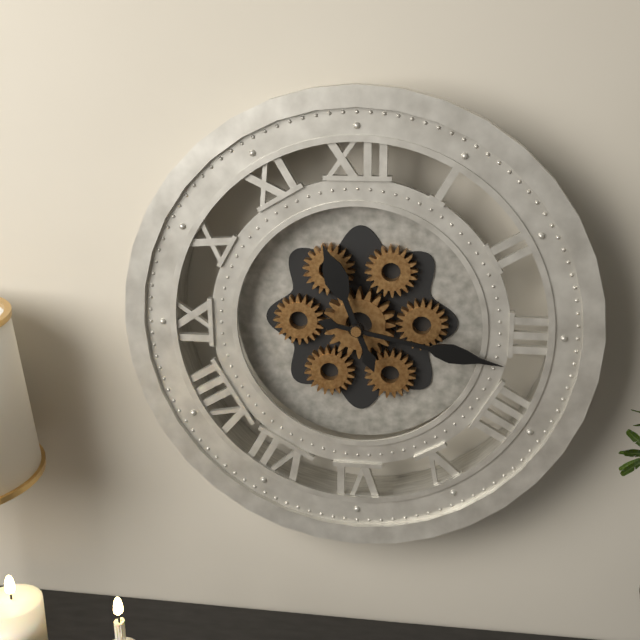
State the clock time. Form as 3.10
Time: 11.17
